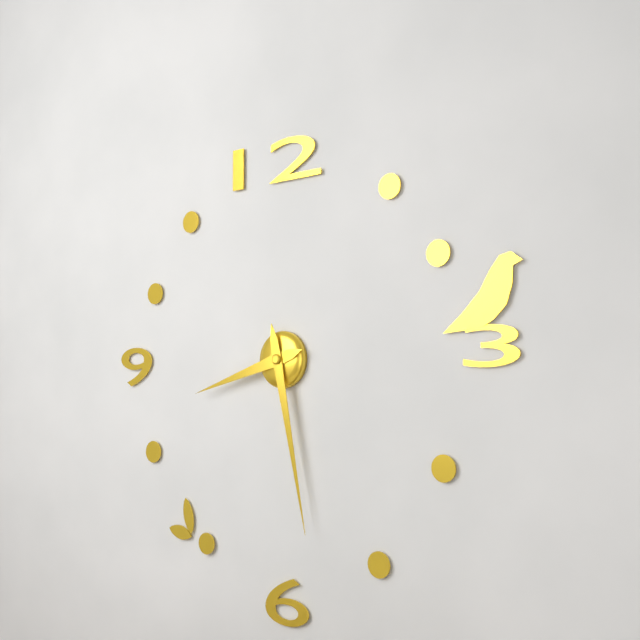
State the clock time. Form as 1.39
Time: 8.28
